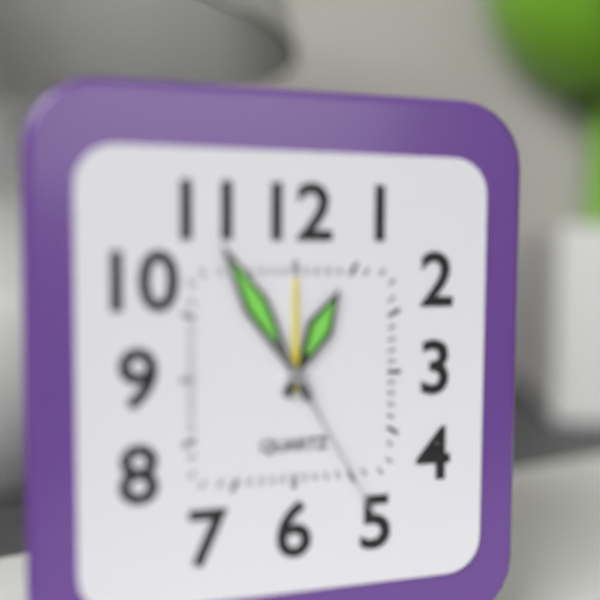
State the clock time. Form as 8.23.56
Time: 12.55.25
